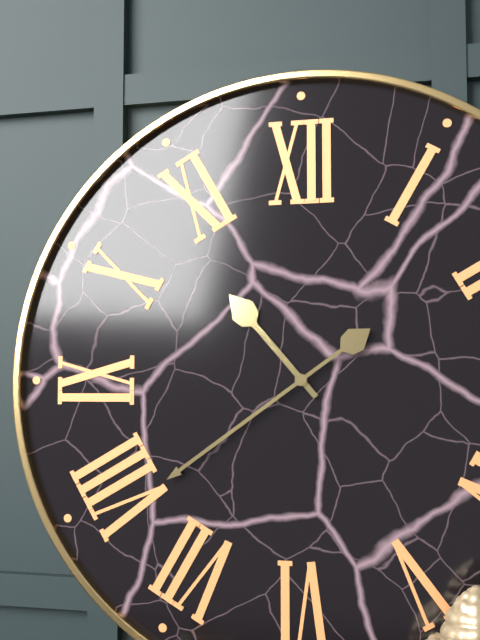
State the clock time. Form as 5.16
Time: 10.39
